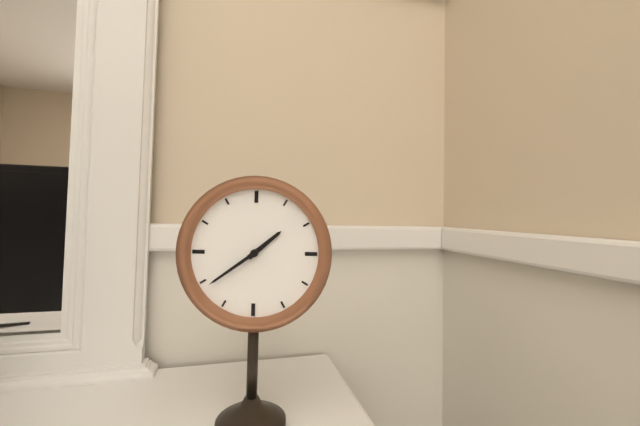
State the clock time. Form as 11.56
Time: 1.39
